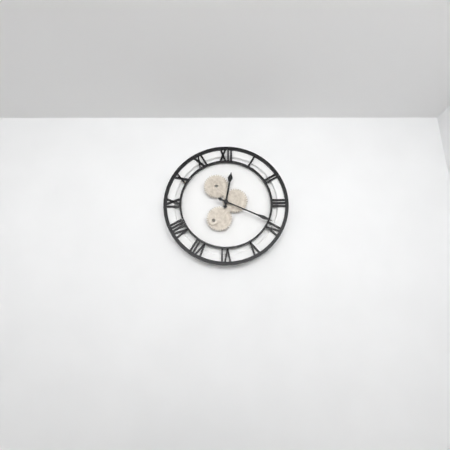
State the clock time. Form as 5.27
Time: 12.19
